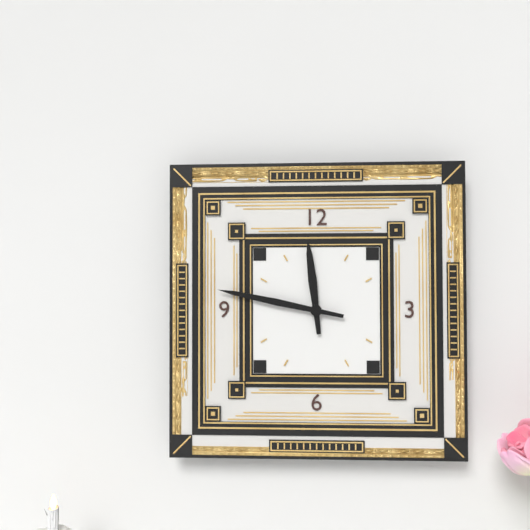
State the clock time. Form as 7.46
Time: 11.47
